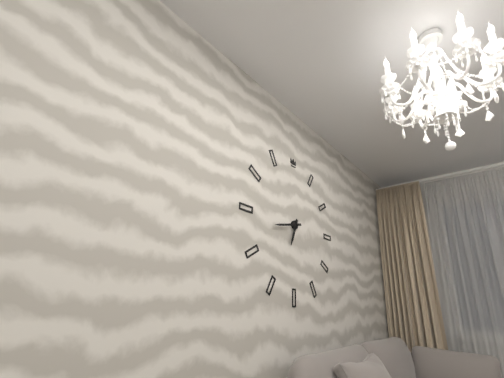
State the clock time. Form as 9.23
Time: 6.43
